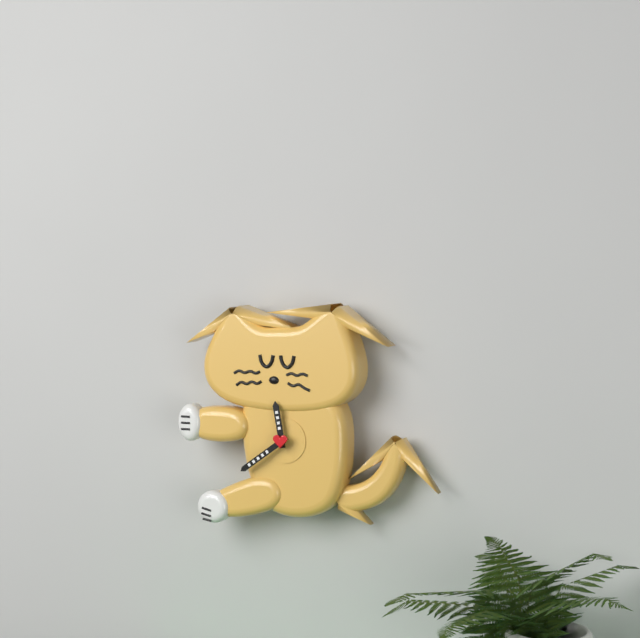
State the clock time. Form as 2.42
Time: 11.39
